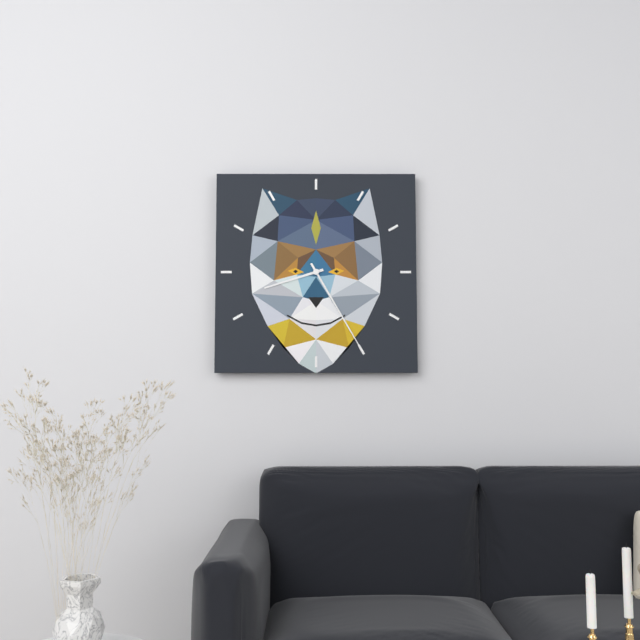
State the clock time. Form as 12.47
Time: 8.25
